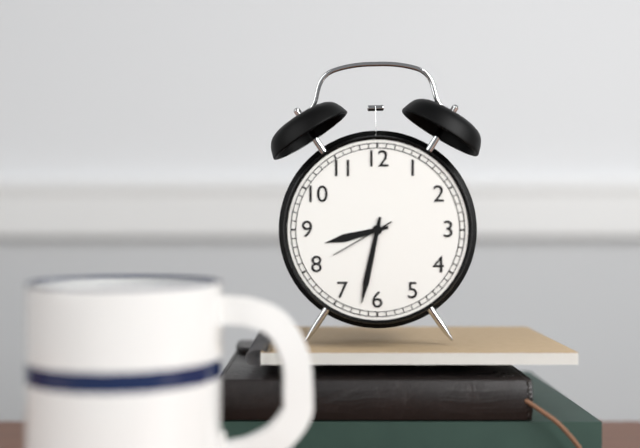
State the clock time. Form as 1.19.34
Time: 8.32.40
